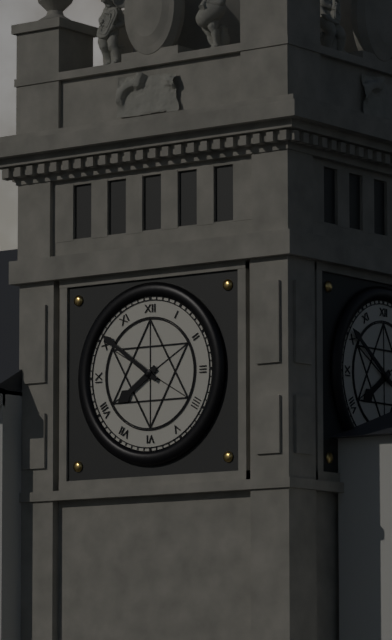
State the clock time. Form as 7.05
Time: 7.51
